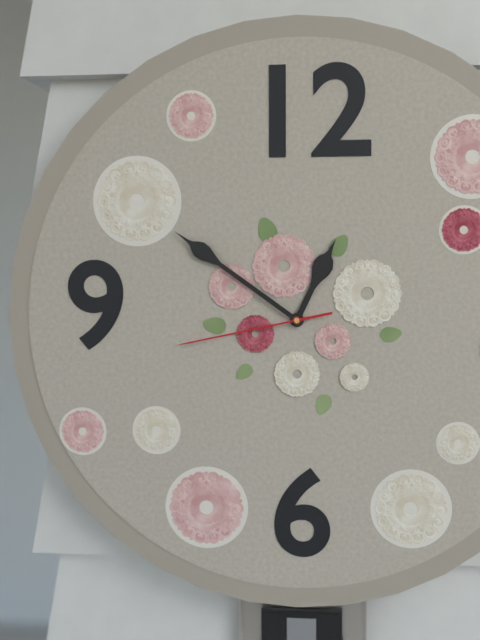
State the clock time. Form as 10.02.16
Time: 12.51.43
